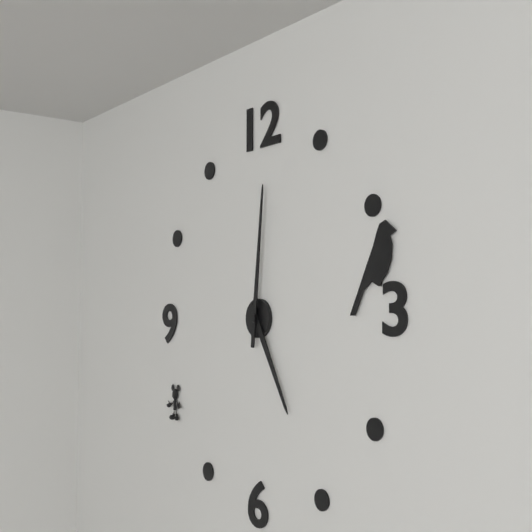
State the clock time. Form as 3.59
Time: 5.01
